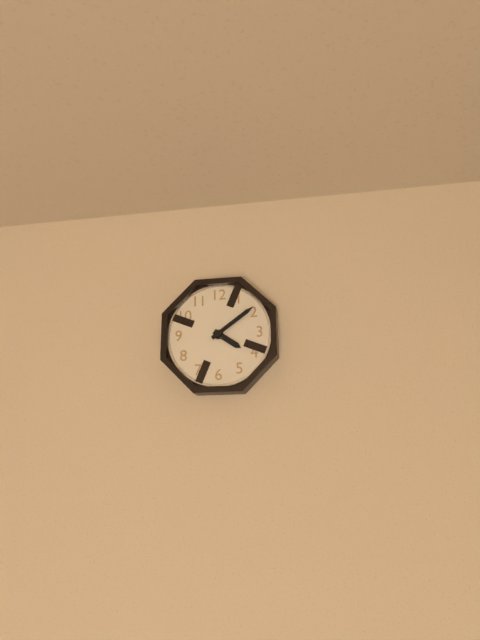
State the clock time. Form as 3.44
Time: 4.09
